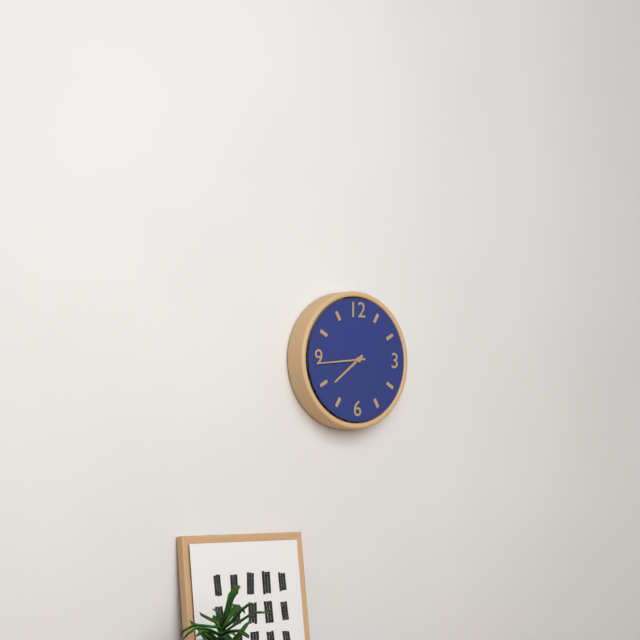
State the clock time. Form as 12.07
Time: 7.44
